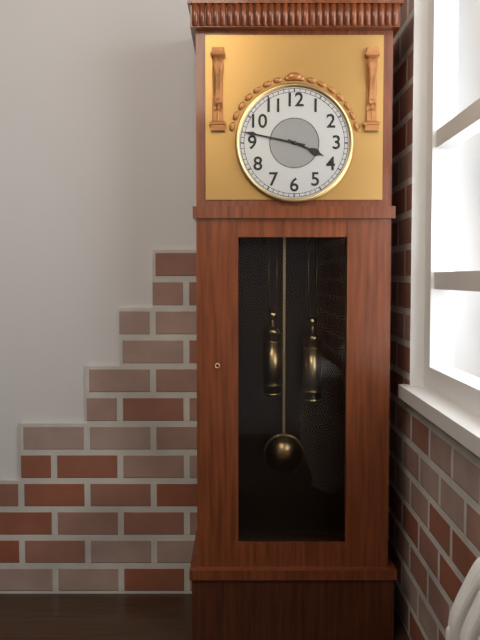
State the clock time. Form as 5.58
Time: 3.47
